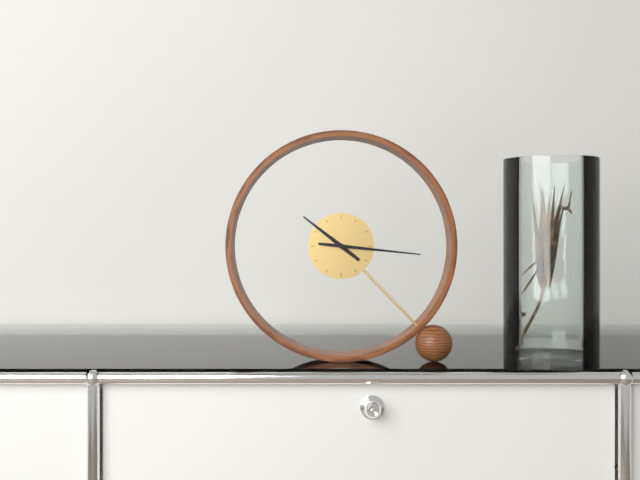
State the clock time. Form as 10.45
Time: 10.16
